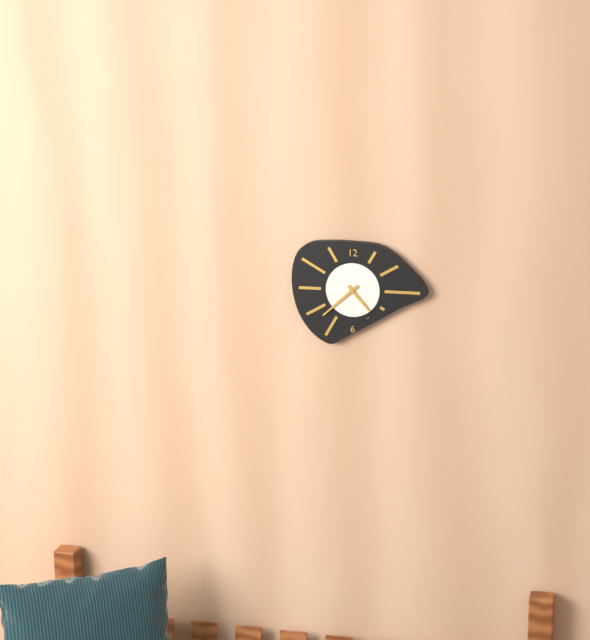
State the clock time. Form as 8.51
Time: 4.38
